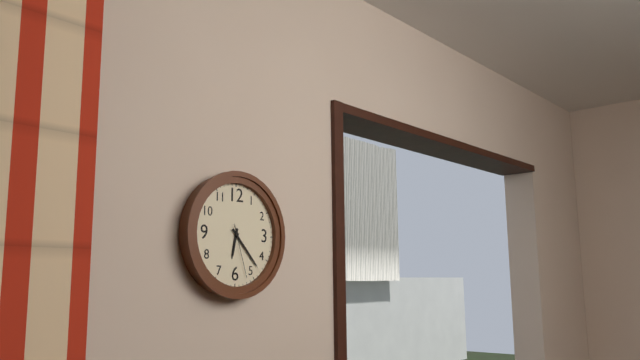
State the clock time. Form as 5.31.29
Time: 6.23.27
